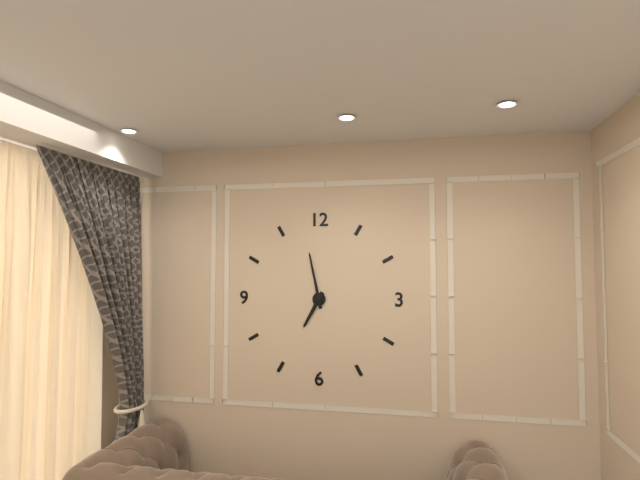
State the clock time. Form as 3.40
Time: 6.58
